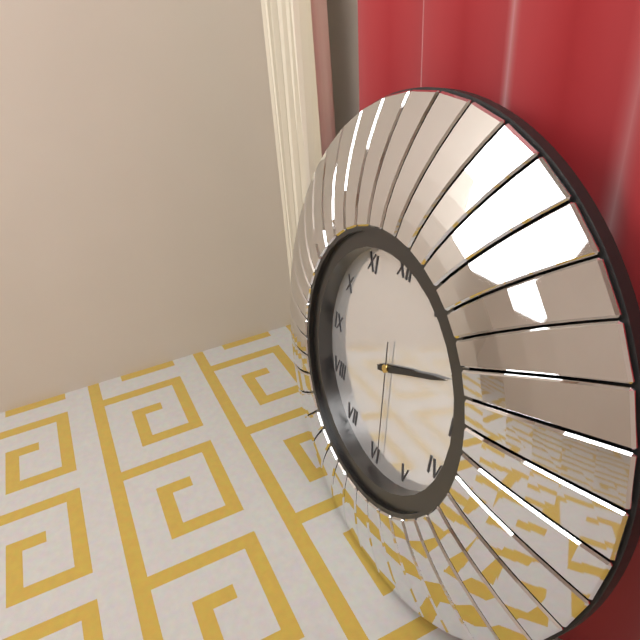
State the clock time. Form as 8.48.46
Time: 2.11.29
